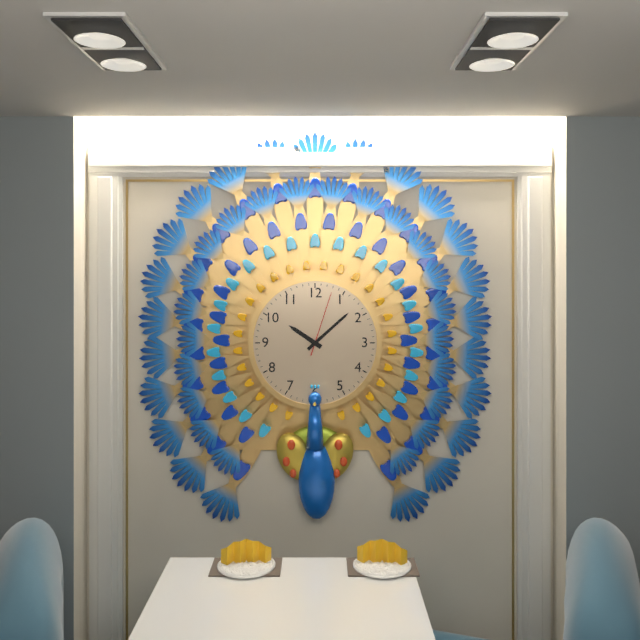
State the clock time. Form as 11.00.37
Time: 10.08.03
